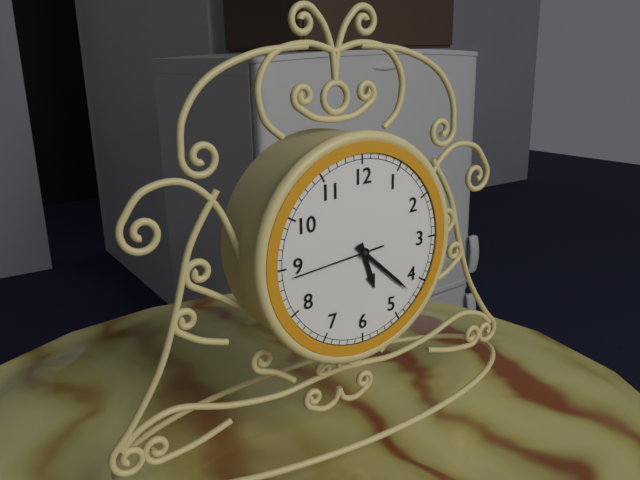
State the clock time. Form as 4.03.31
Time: 5.22.44
